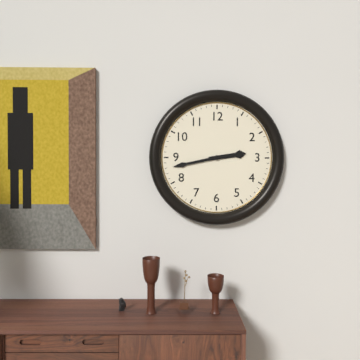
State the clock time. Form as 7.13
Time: 2.43
